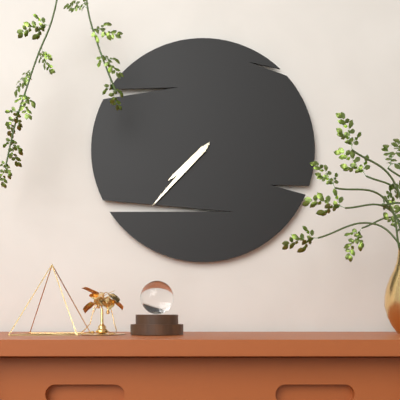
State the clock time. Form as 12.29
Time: 7.37
